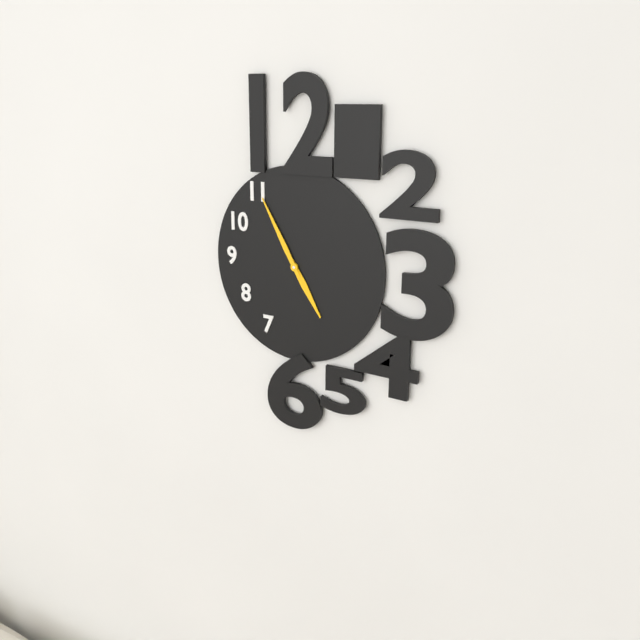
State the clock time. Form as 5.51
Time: 4.55
